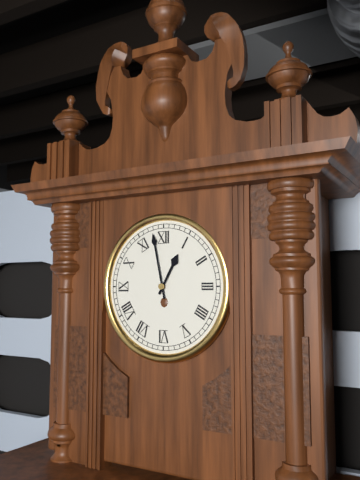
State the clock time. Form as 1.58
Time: 12.58
